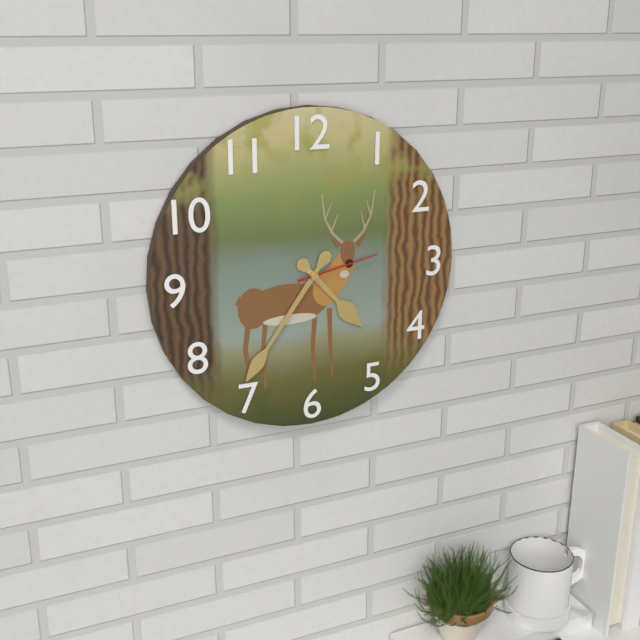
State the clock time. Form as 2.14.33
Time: 4.36.13
